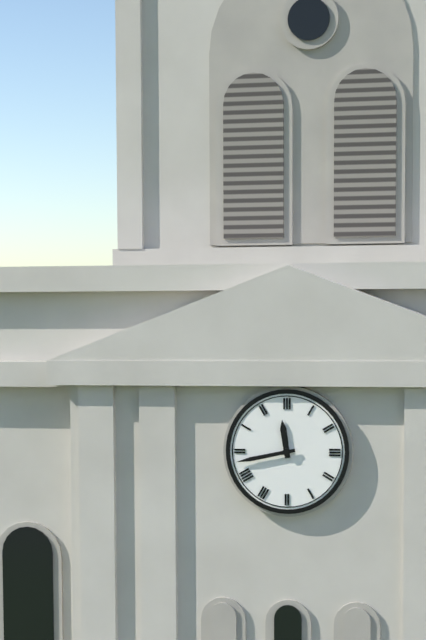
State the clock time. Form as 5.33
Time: 11.43
